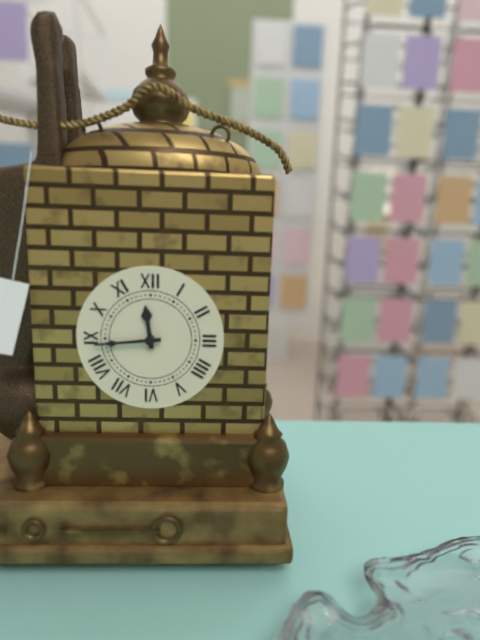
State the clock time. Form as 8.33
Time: 11.44
